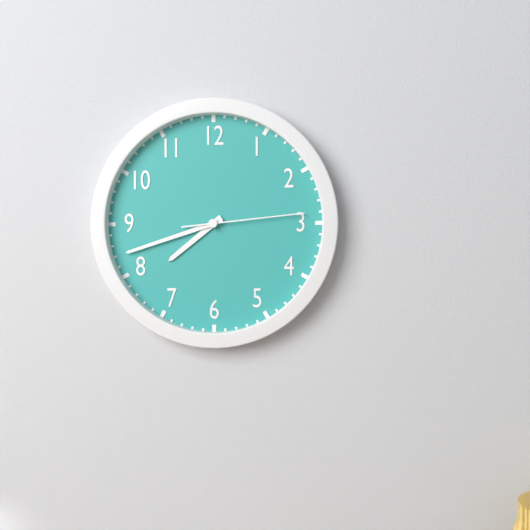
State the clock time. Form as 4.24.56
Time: 7.42.14
